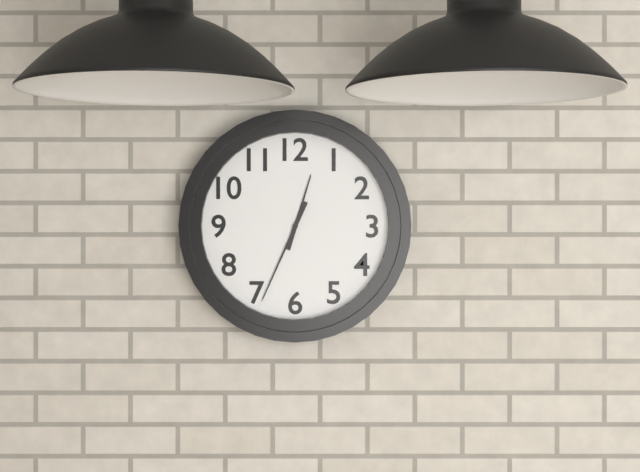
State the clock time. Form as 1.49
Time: 12.34
